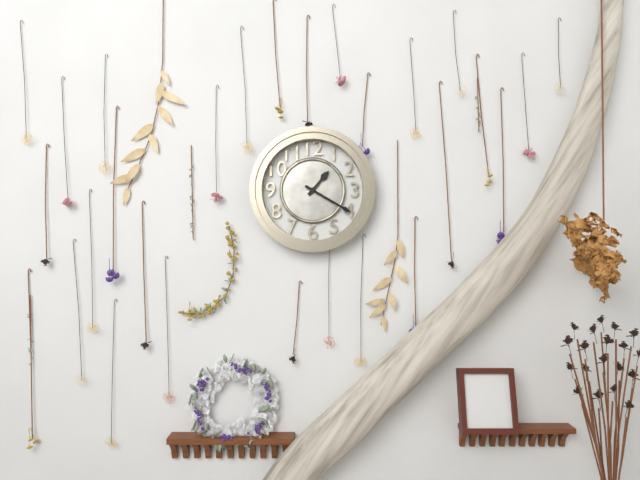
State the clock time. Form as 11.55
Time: 1.20
